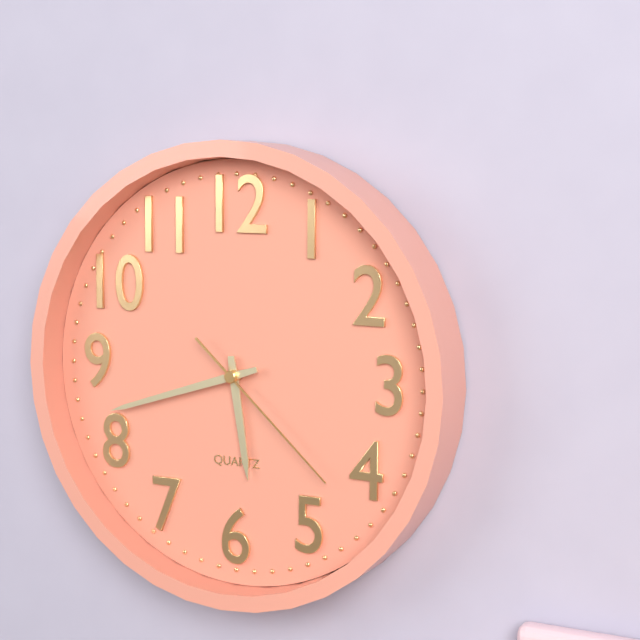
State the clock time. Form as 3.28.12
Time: 5.42.22
